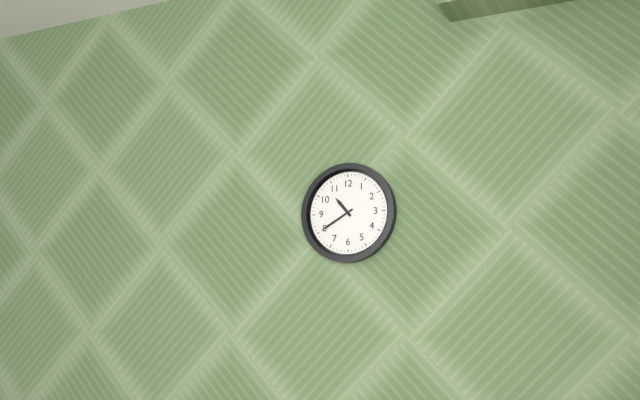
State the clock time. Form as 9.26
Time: 10.40
